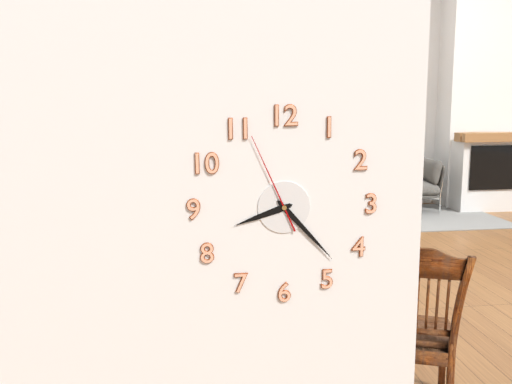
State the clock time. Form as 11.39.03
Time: 8.23.56
